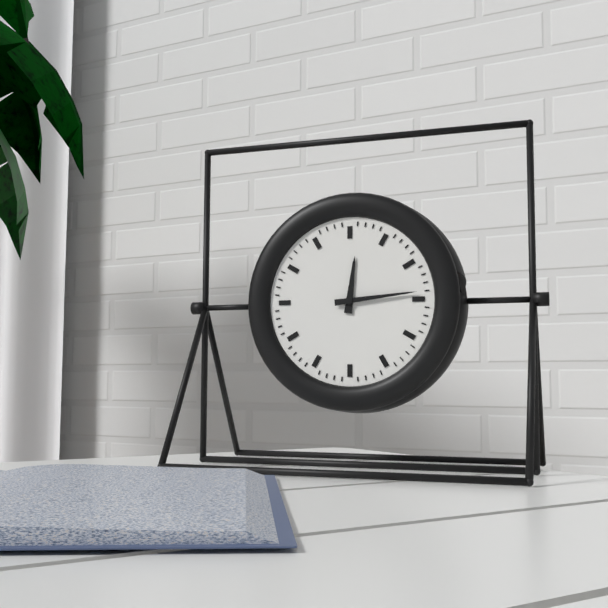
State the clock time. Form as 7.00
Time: 12.14
